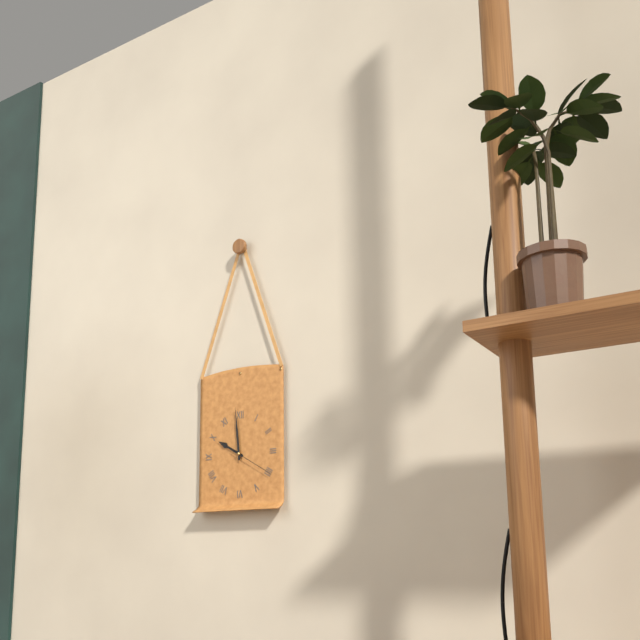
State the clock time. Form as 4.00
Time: 9.59
